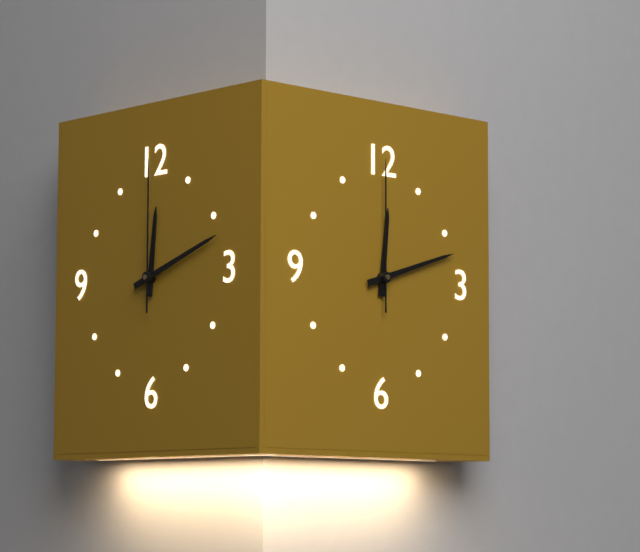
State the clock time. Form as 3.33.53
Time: 12.12.00
